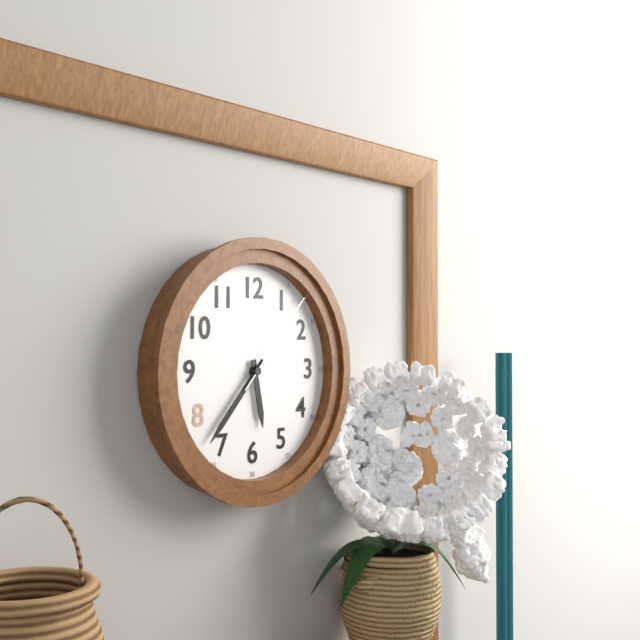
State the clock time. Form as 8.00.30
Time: 5.37.07
